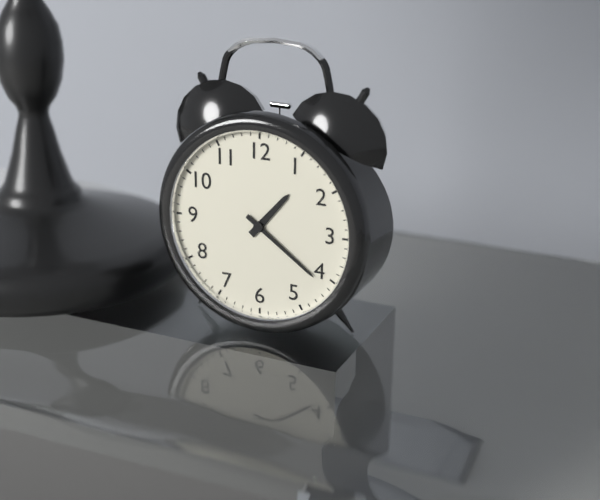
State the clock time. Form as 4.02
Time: 1.21
